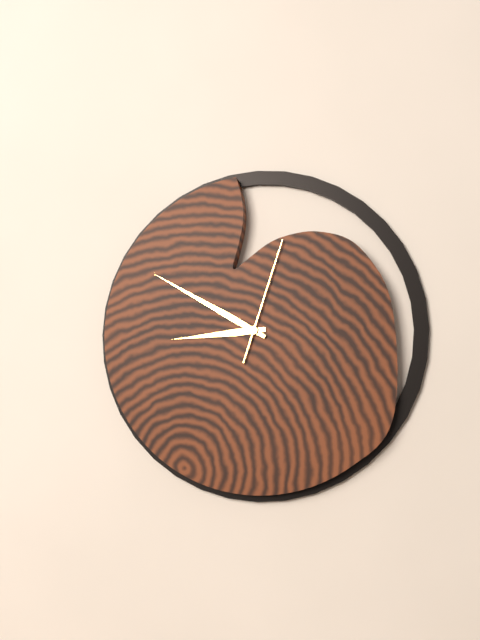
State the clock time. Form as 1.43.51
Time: 8.50.03
